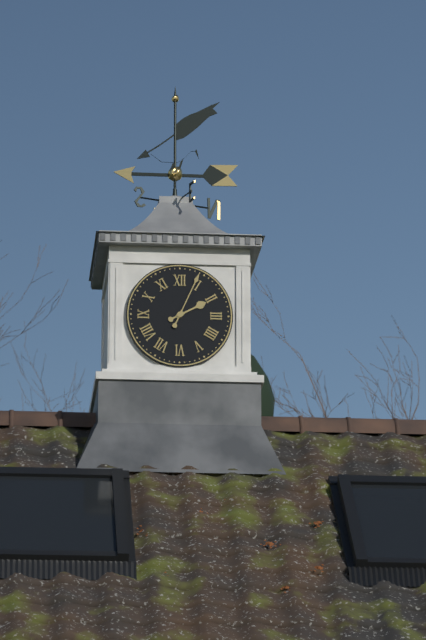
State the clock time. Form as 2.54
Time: 2.04
